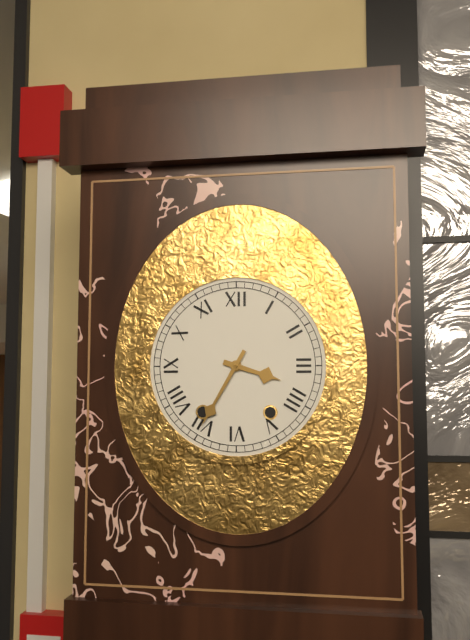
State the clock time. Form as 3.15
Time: 3.35
